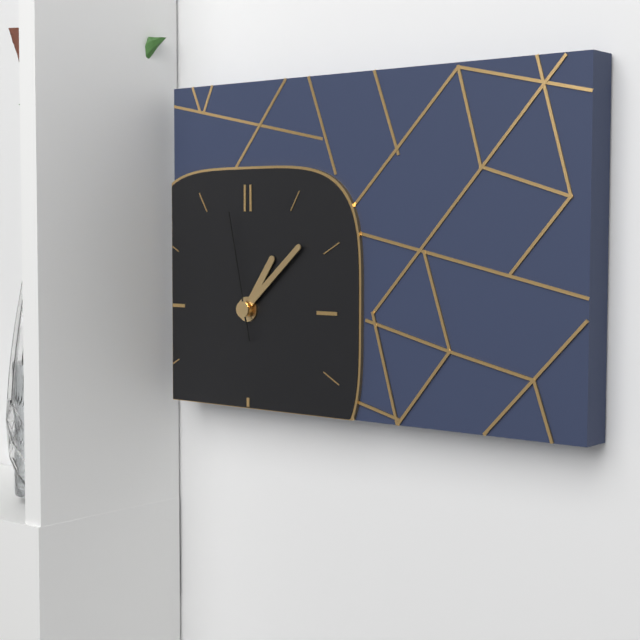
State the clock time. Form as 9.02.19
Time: 1.08.58
